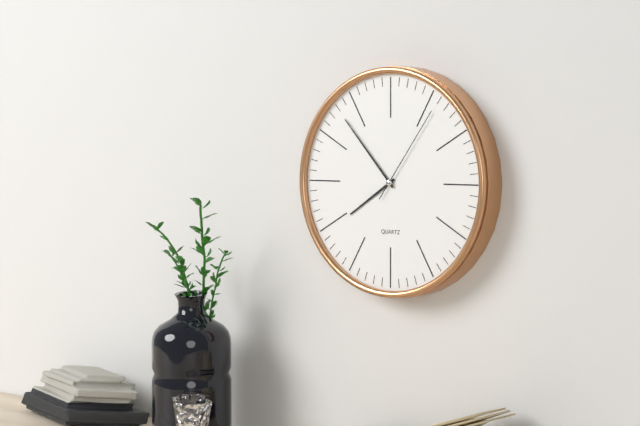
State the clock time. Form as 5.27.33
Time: 7.53.06
